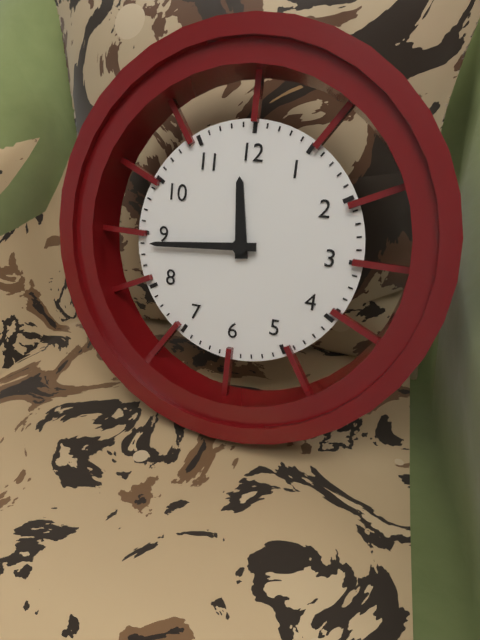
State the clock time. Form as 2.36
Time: 11.44
